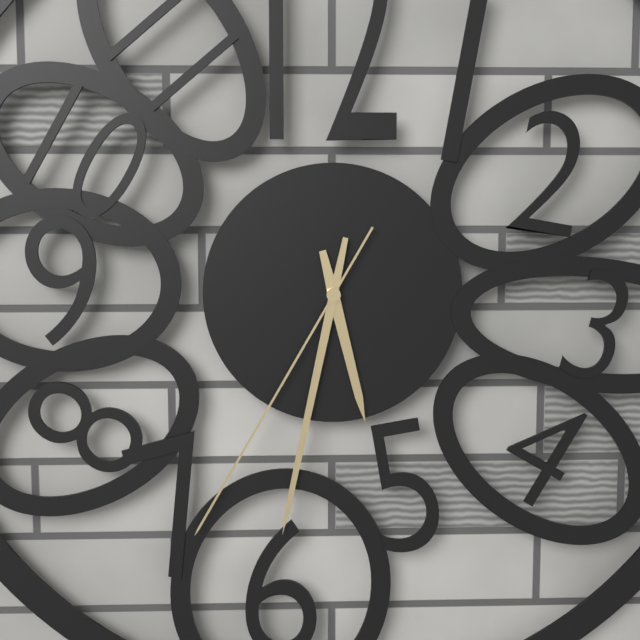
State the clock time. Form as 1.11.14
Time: 5.32.35
